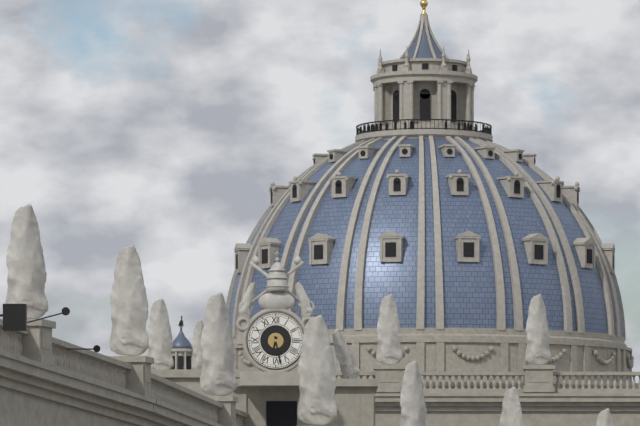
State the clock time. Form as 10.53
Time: 6.28
